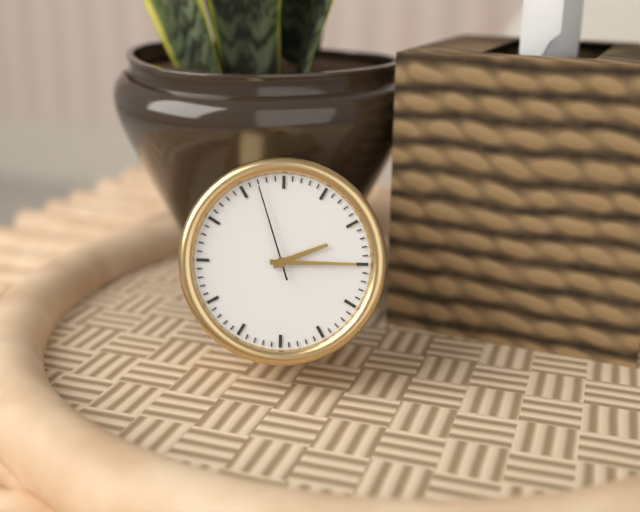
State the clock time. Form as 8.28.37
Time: 2.15.57
